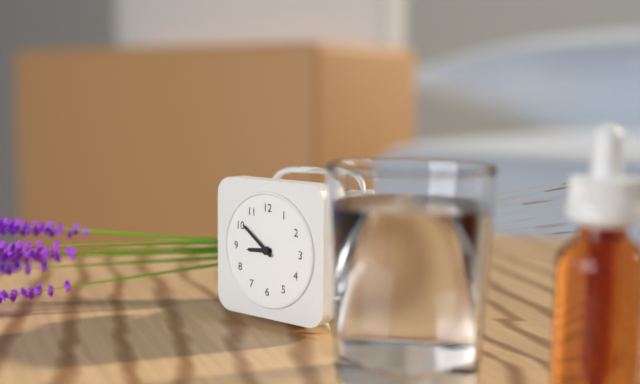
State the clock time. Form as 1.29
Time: 8.51
